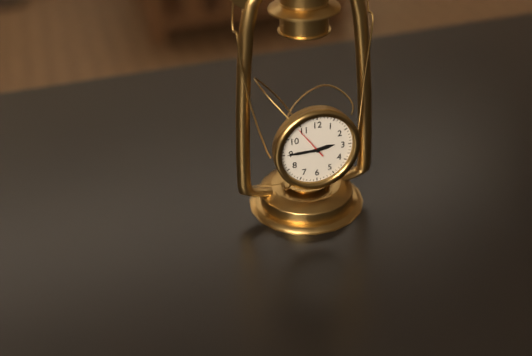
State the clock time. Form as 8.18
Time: 2.45
